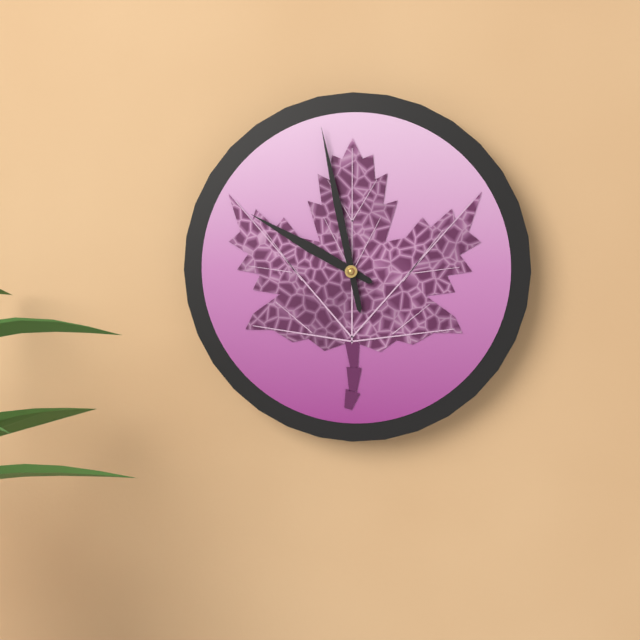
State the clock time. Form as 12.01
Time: 9.58
